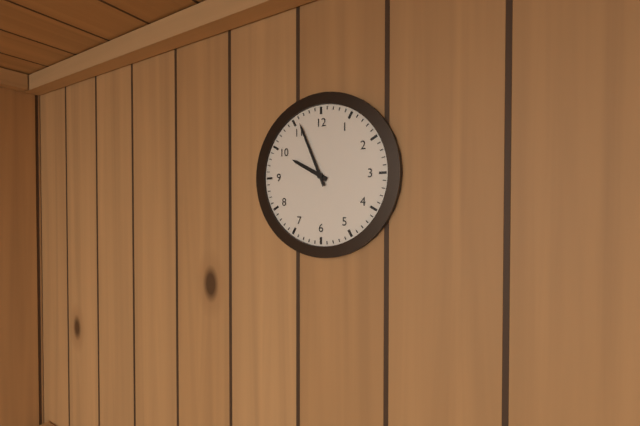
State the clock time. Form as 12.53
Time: 9.56
